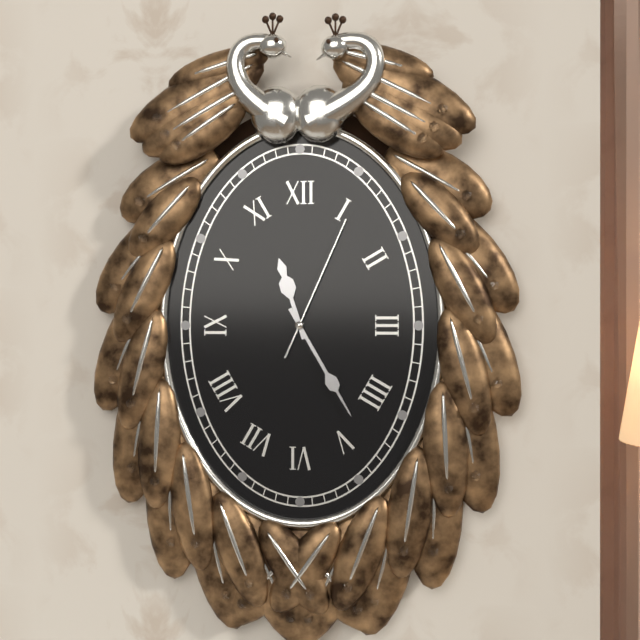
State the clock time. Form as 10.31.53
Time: 11.25.04
